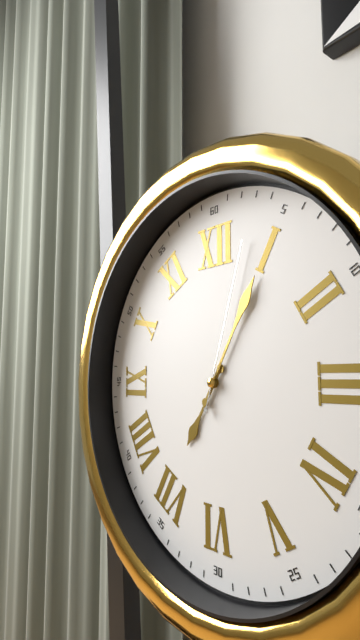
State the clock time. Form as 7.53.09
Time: 7.05.03
